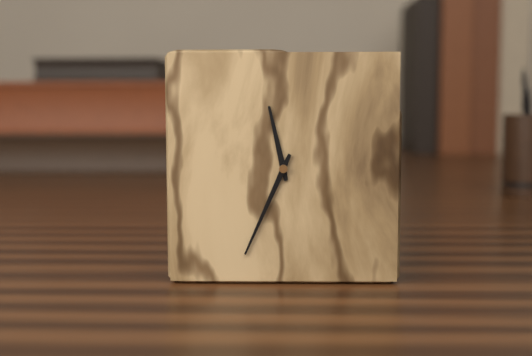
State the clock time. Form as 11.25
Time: 11.34
